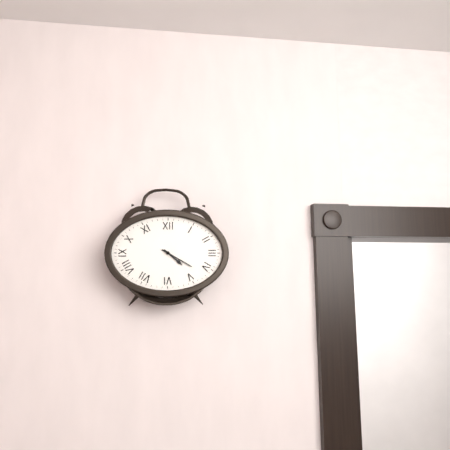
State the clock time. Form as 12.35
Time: 4.20
